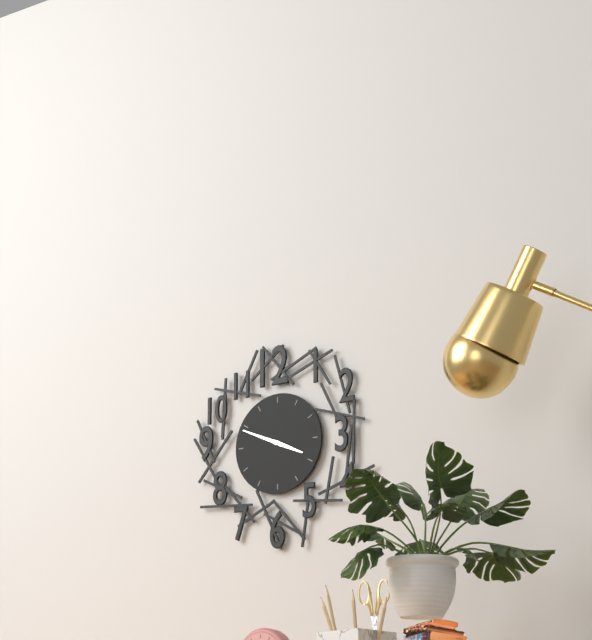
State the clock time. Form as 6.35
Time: 3.49
